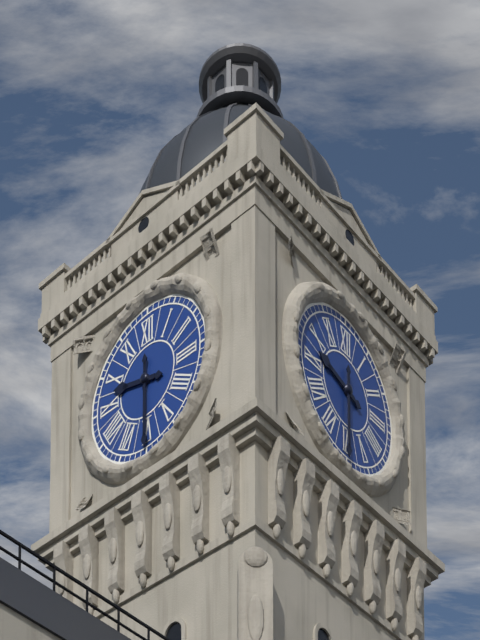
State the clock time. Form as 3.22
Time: 9.30
